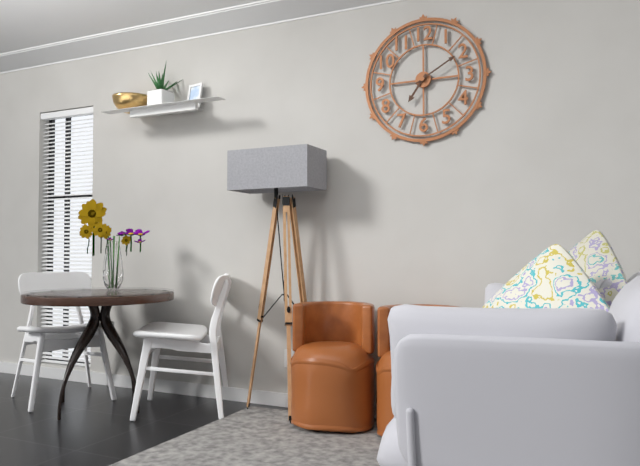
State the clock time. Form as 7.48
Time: 7.10
